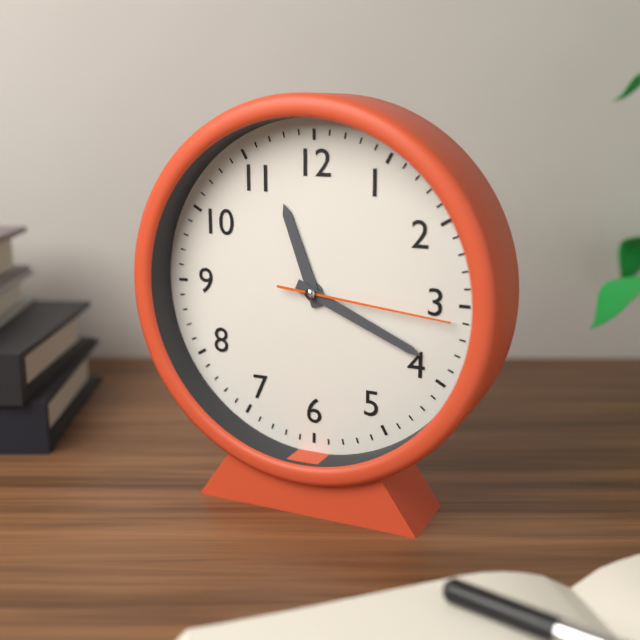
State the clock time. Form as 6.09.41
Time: 11.19.16
